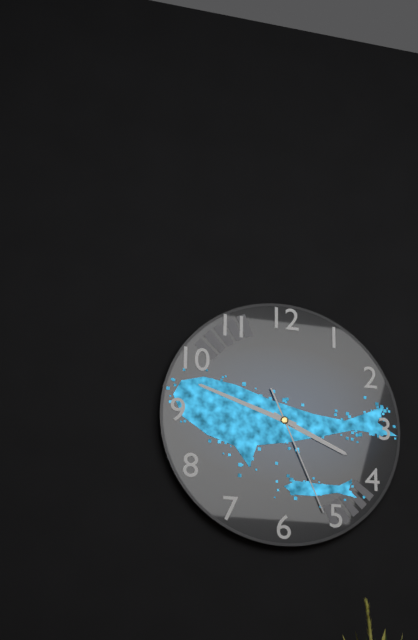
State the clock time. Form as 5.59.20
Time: 3.48.26
